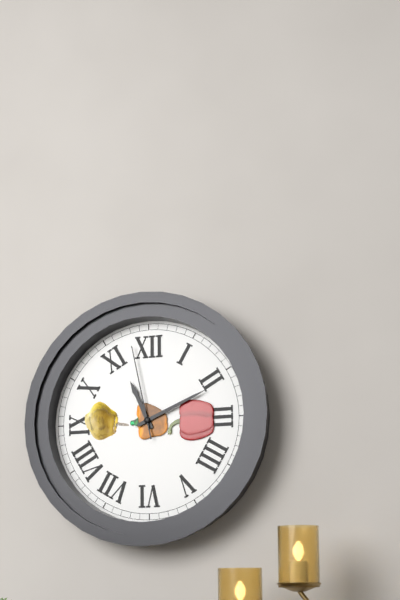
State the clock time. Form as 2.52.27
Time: 11.11.58
